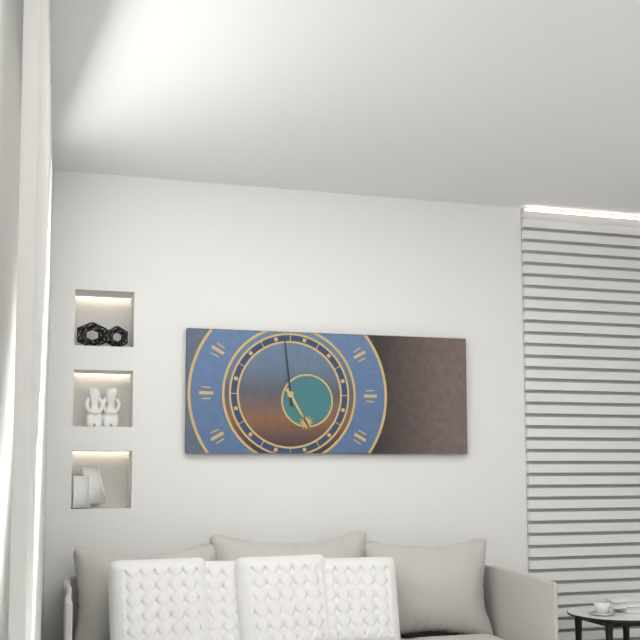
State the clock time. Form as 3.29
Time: 4.59
